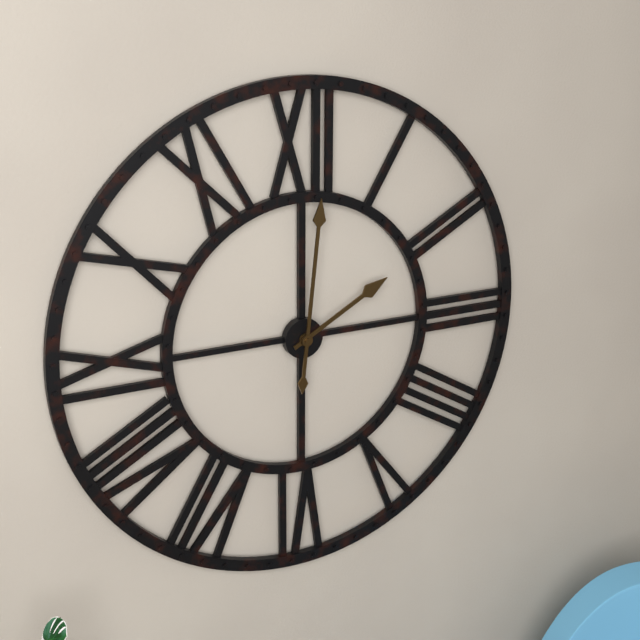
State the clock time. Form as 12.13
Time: 2.01
